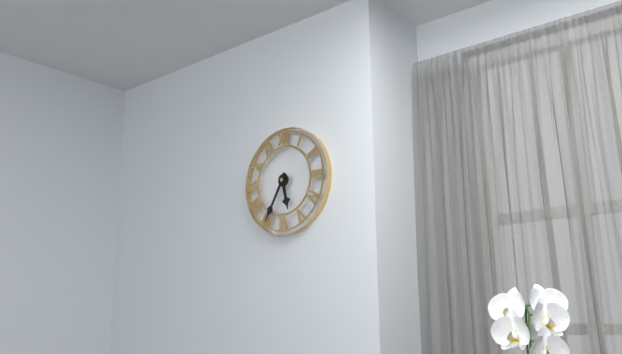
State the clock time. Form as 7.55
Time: 5.35
